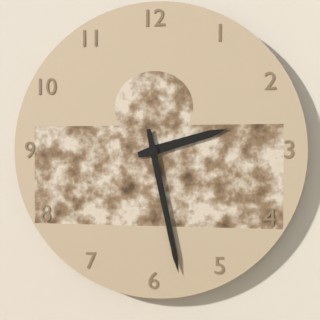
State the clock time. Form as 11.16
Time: 2.28
